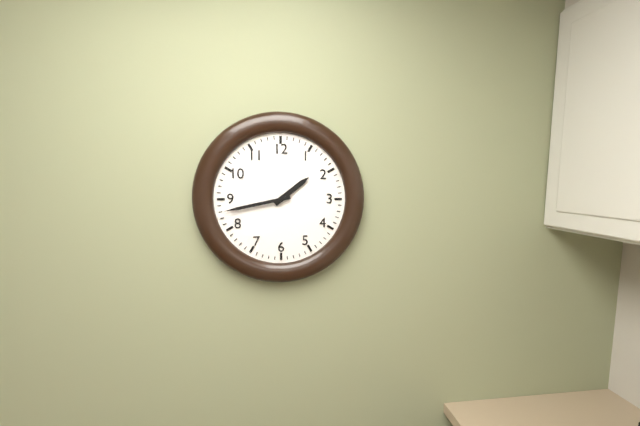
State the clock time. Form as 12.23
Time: 1.43
